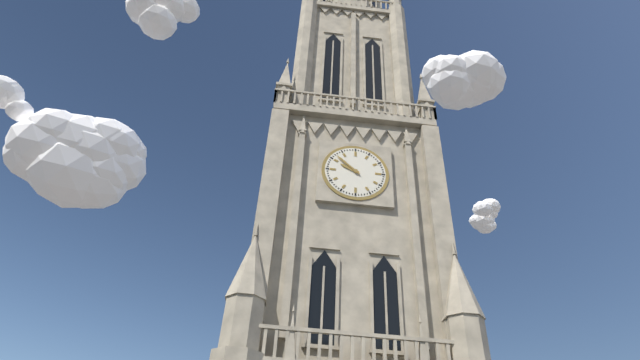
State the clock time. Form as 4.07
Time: 9.52
